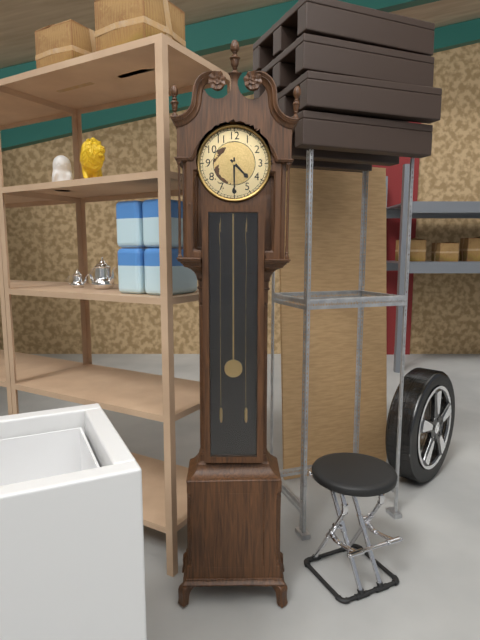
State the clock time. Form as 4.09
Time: 4.30
